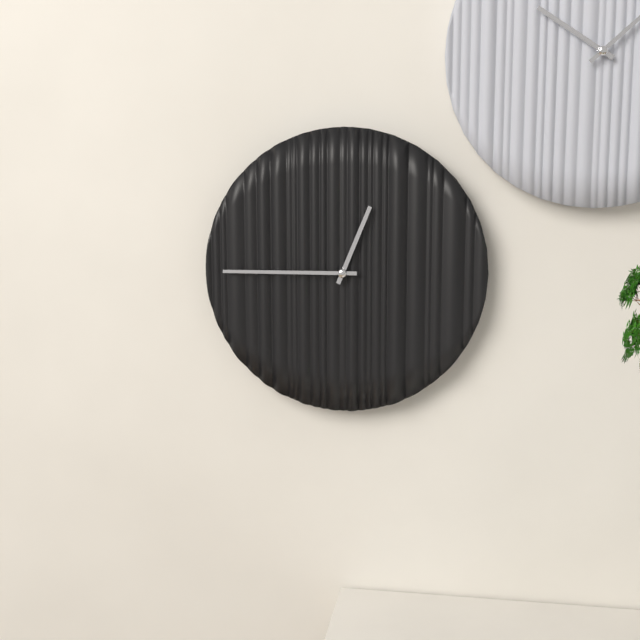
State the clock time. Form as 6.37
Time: 12.45
